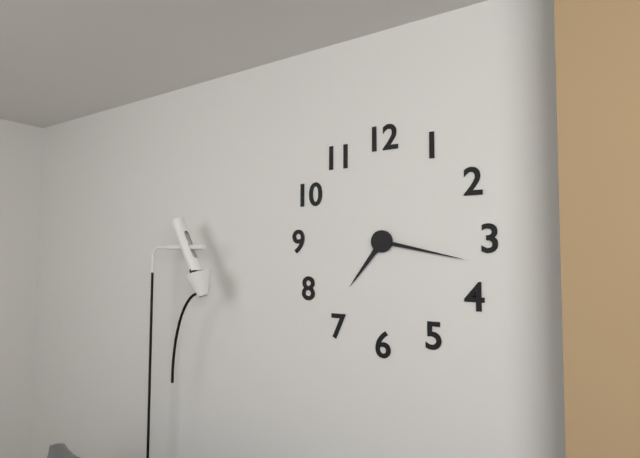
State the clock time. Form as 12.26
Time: 7.17
